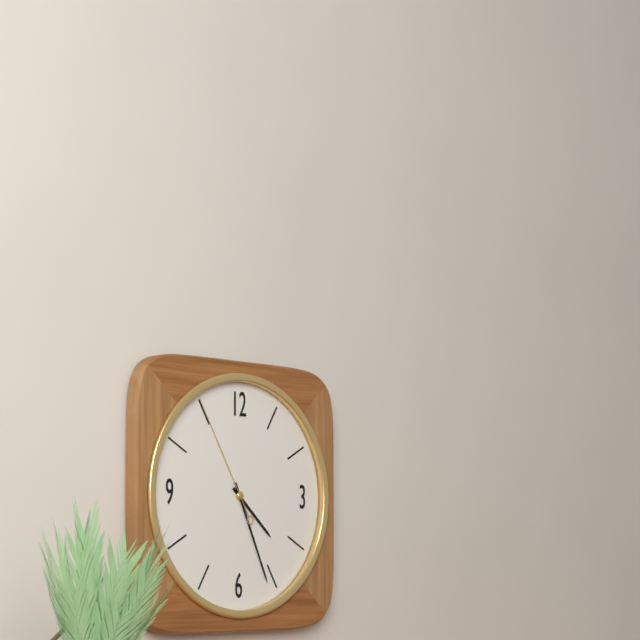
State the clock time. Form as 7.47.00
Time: 4.26.55
